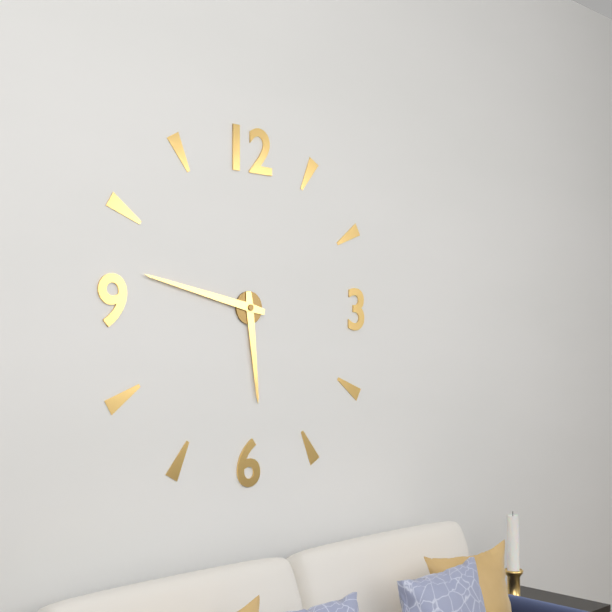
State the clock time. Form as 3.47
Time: 5.47
